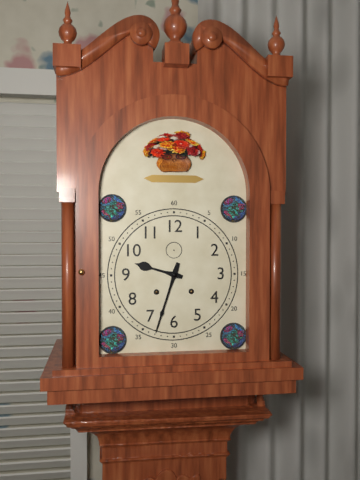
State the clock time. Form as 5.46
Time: 9.33
